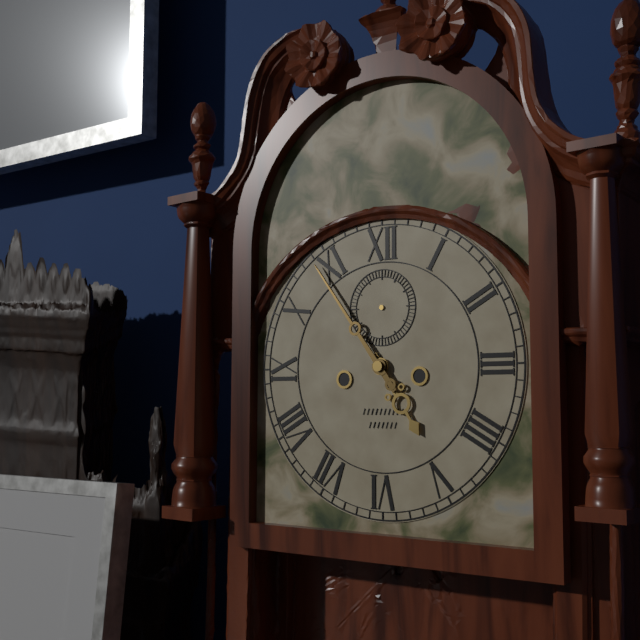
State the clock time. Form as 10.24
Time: 4.54
